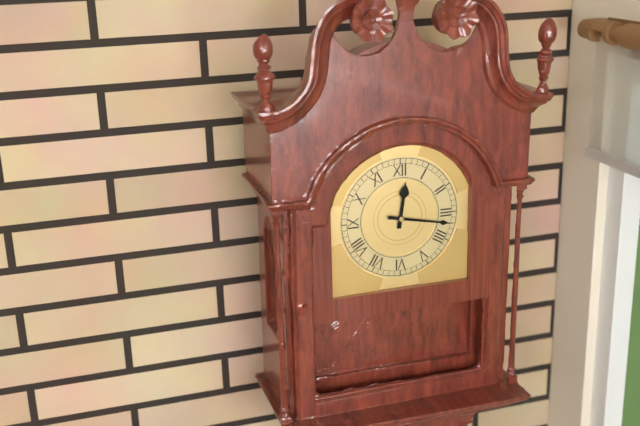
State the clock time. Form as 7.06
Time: 12.17
